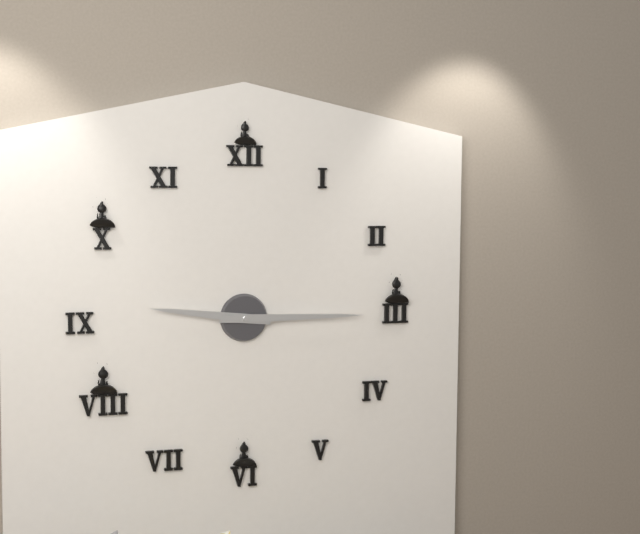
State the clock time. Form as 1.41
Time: 9.15
